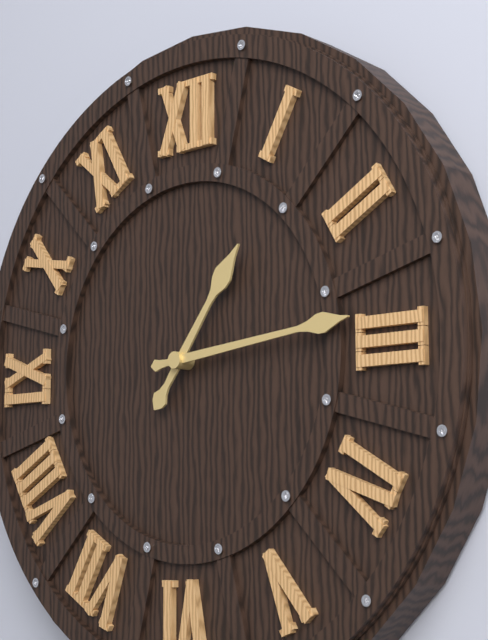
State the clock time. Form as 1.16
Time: 1.14
